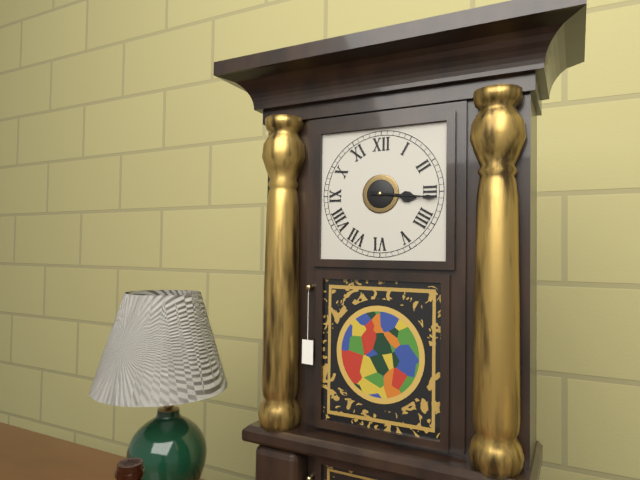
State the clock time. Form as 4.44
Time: 3.16
